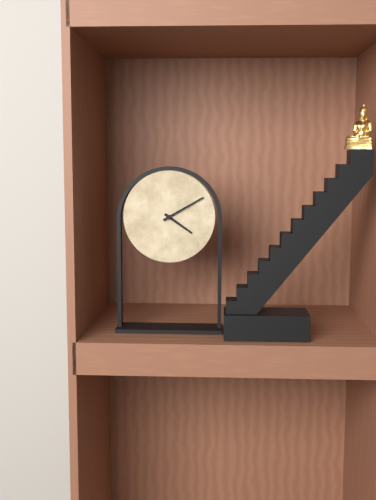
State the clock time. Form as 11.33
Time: 4.10
